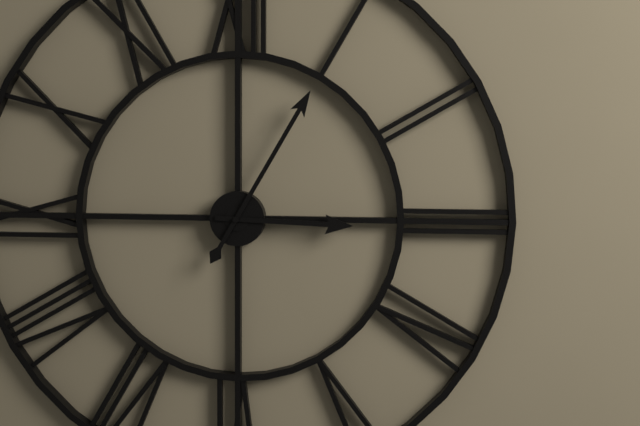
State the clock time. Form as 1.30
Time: 3.05
